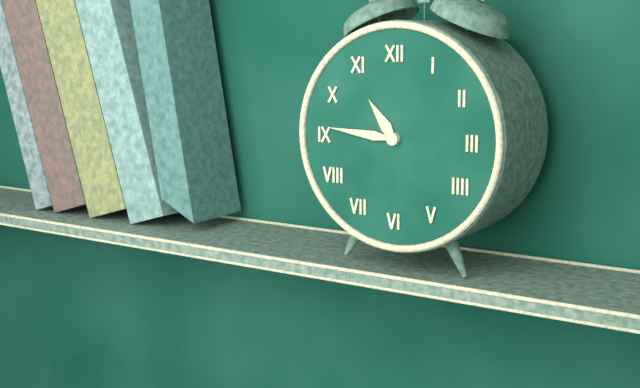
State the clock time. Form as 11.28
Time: 10.46
